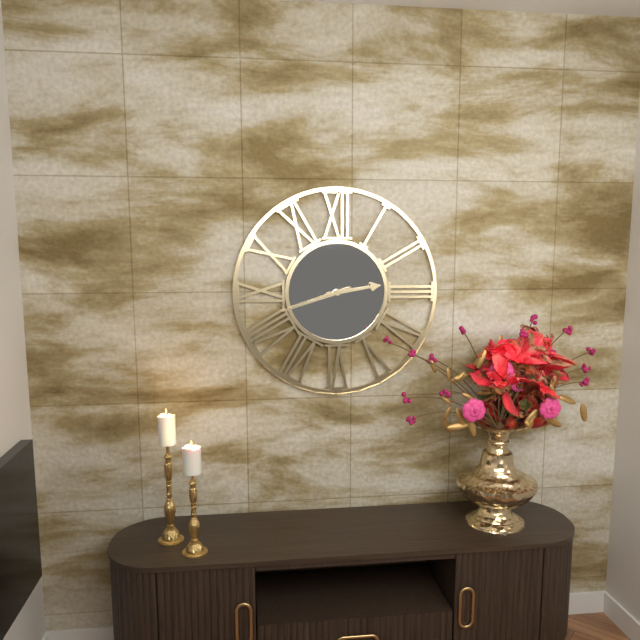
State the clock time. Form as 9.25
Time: 2.42
